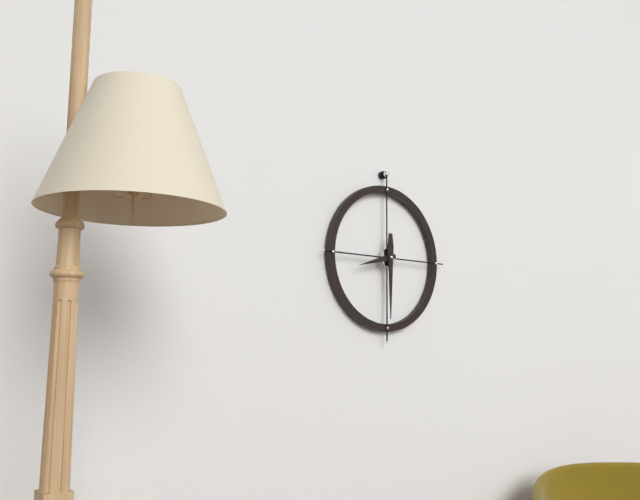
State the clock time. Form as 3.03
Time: 8.30
